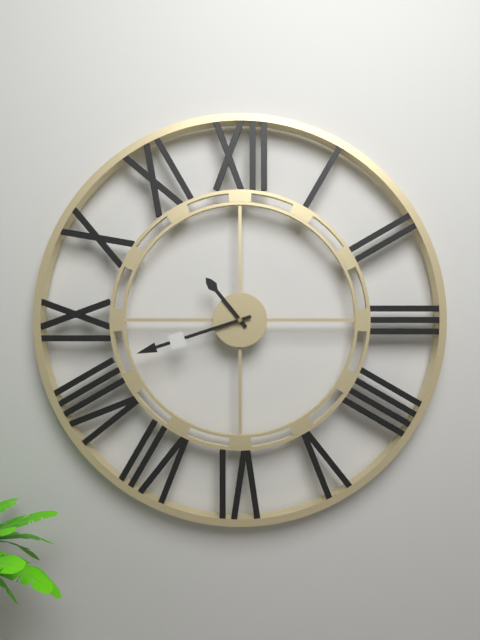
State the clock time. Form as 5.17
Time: 10.42
